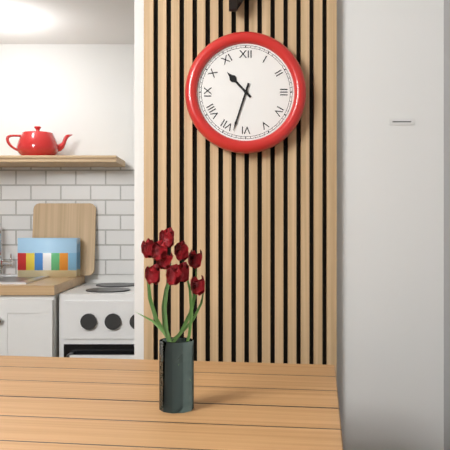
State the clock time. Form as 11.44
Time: 10.33
